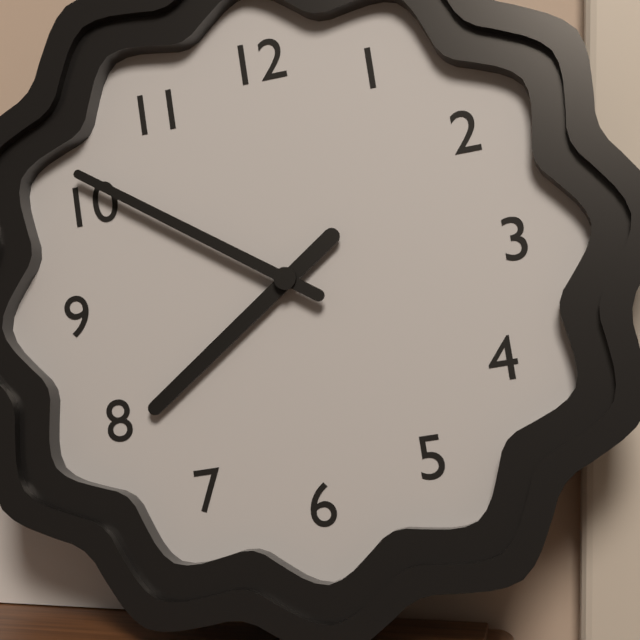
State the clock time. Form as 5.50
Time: 7.51
